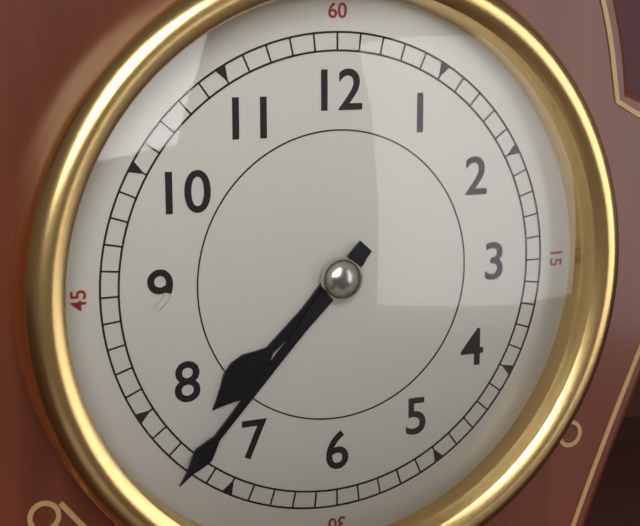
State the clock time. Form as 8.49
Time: 7.37
